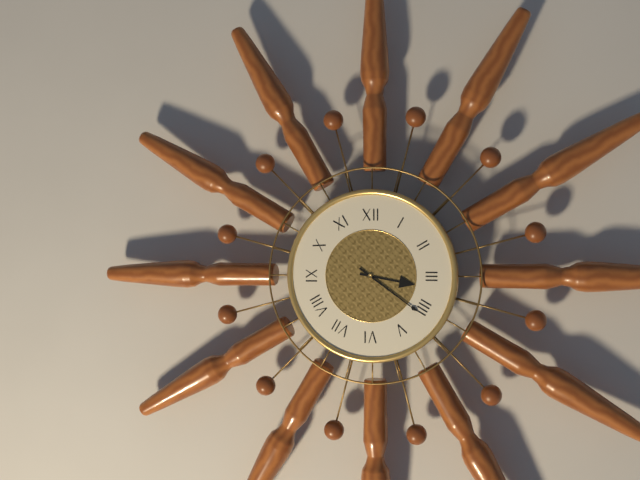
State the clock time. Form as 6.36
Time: 3.21
